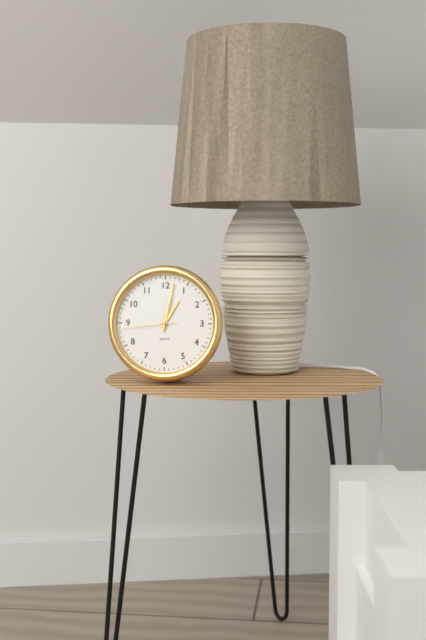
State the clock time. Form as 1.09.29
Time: 1.02.44
